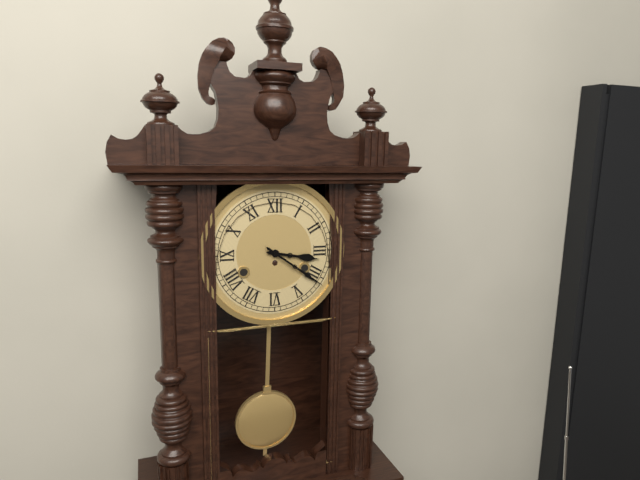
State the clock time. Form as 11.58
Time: 3.21
